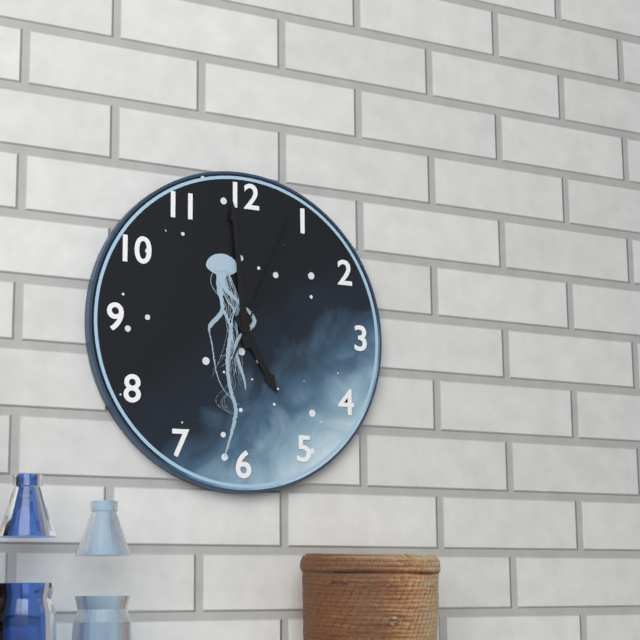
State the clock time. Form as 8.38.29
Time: 4.59.04
